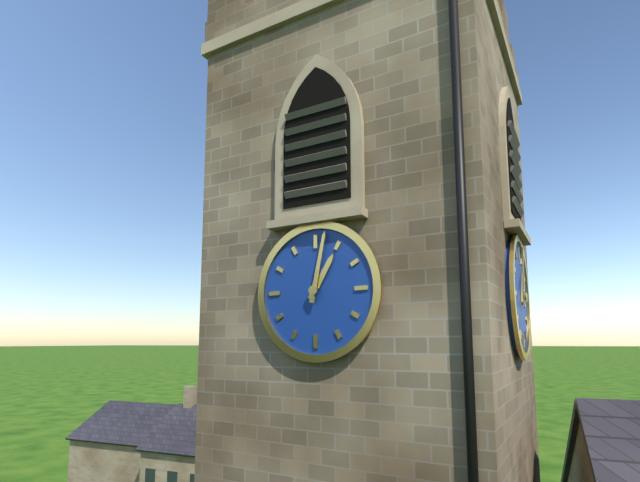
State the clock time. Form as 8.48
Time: 1.02
